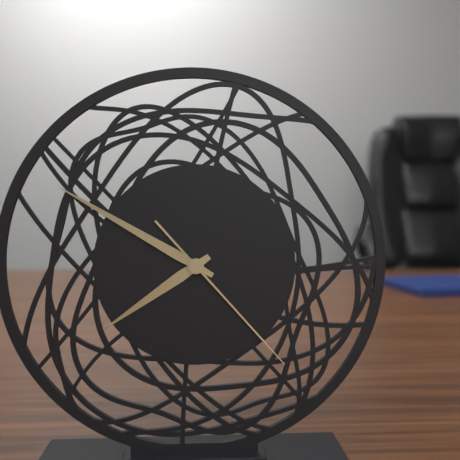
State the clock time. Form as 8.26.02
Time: 7.50.23
